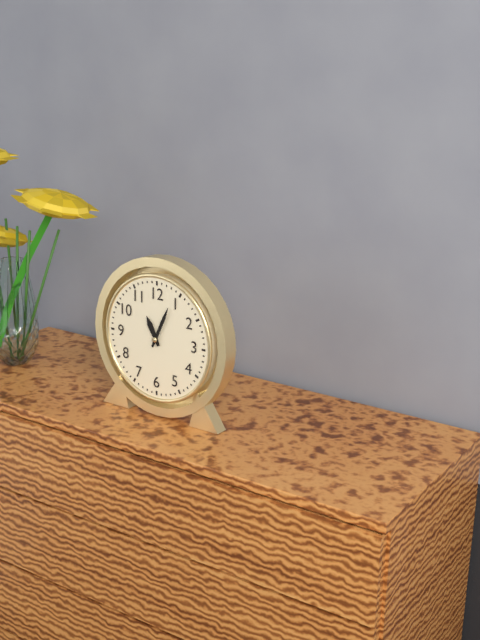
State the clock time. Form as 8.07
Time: 11.04
